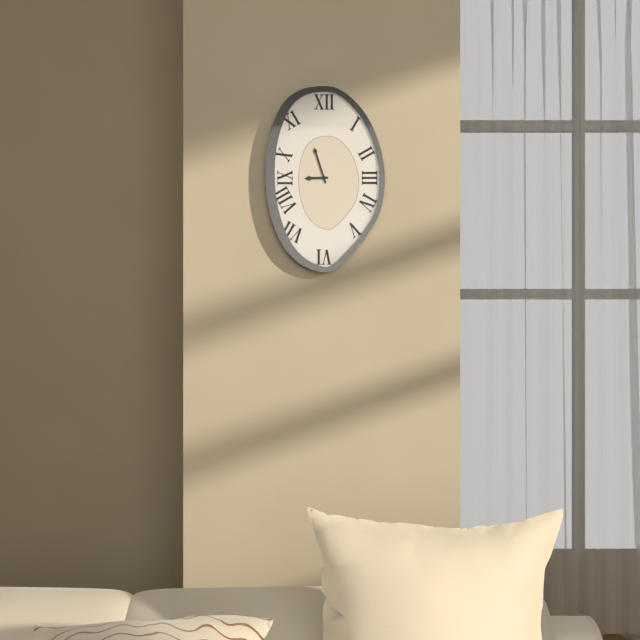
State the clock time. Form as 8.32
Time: 8.57
